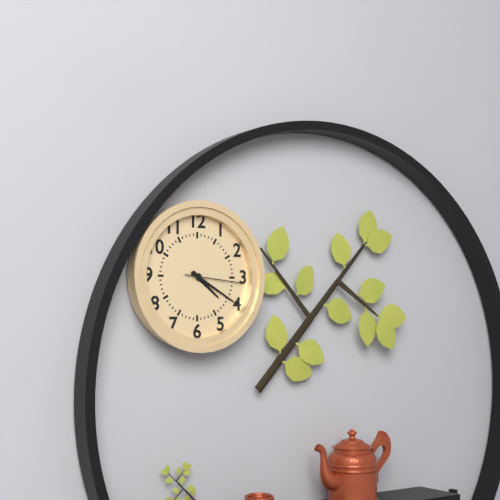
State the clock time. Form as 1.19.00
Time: 4.20.16
